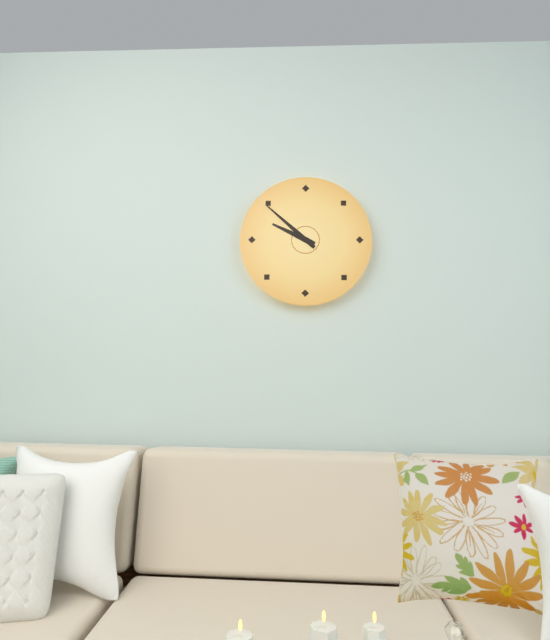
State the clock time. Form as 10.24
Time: 9.52
